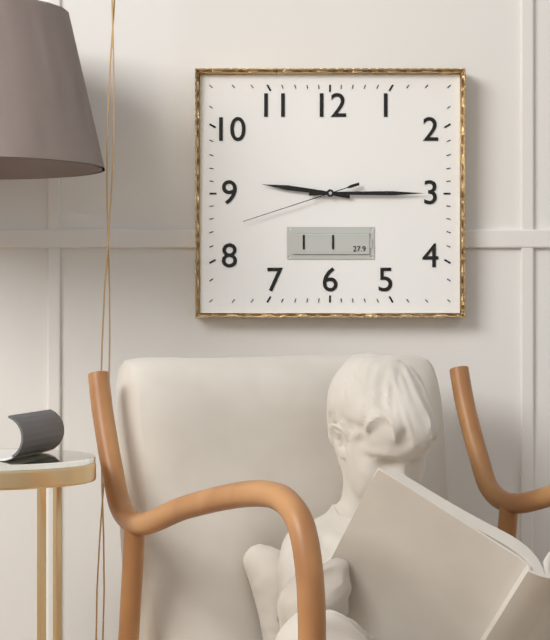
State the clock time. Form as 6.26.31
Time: 9.15.42
